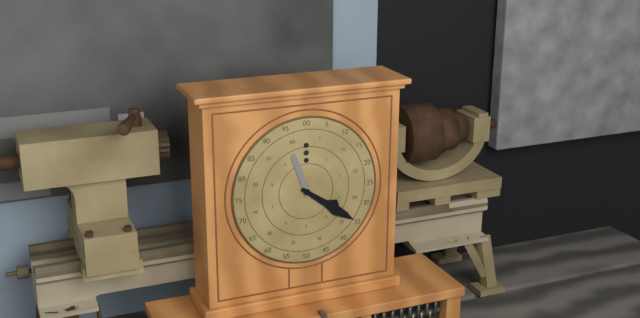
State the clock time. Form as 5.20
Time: 11.21
